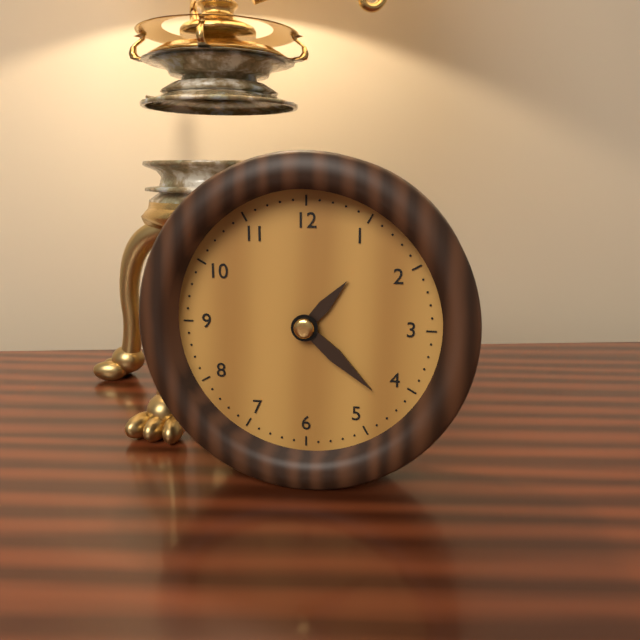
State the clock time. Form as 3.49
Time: 1.22
